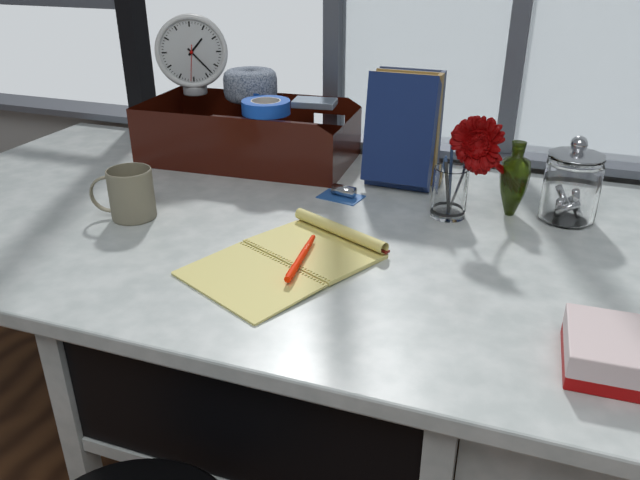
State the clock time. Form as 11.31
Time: 1.23
